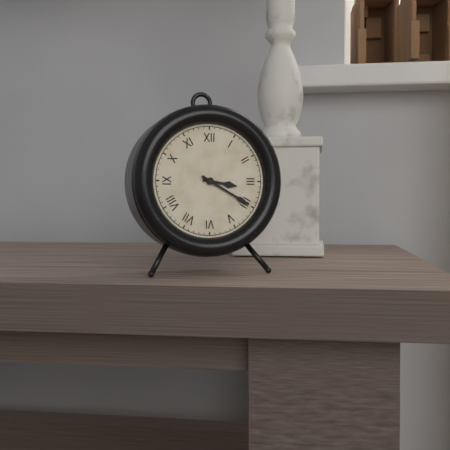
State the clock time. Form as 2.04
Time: 3.20
